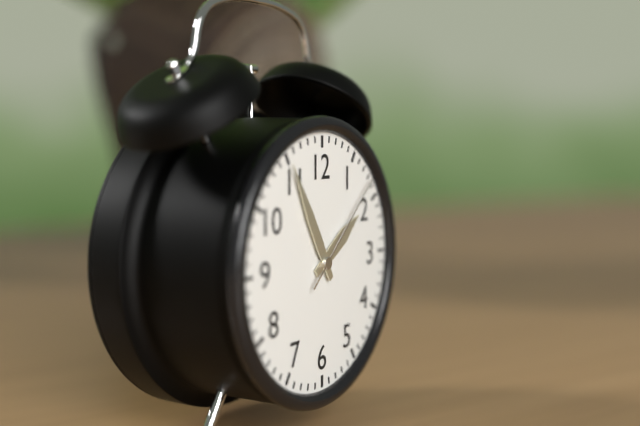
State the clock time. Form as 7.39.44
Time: 1.55.08
